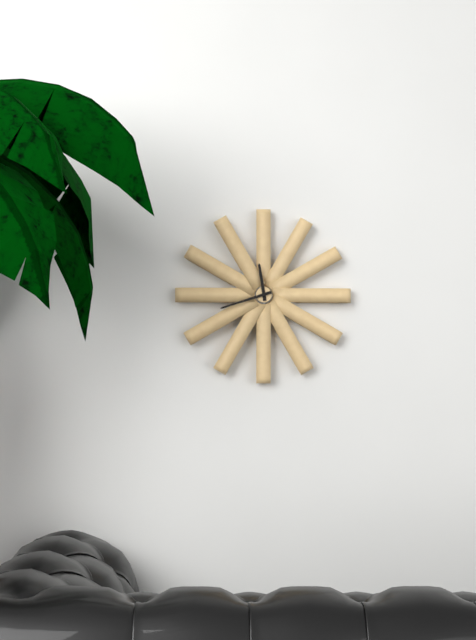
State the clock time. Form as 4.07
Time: 11.42
